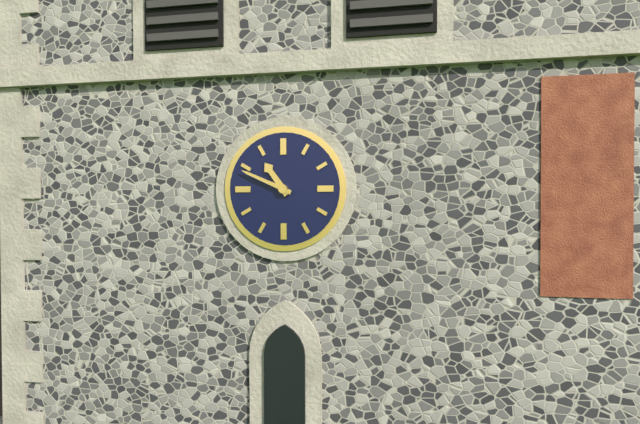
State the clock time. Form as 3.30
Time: 10.49
